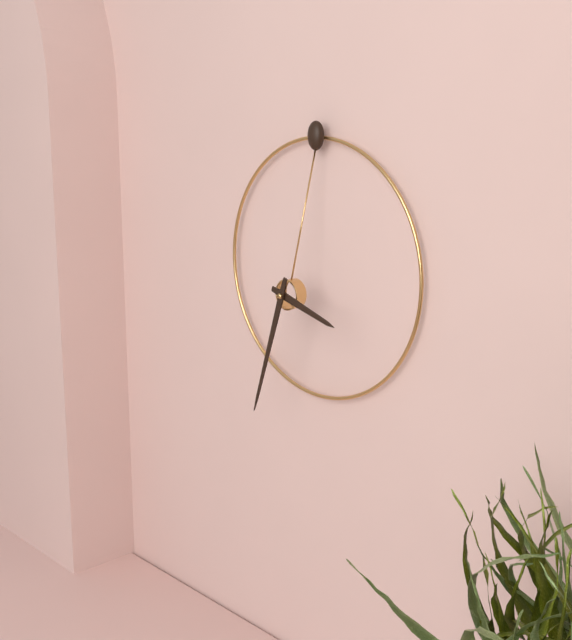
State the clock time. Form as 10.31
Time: 3.33
